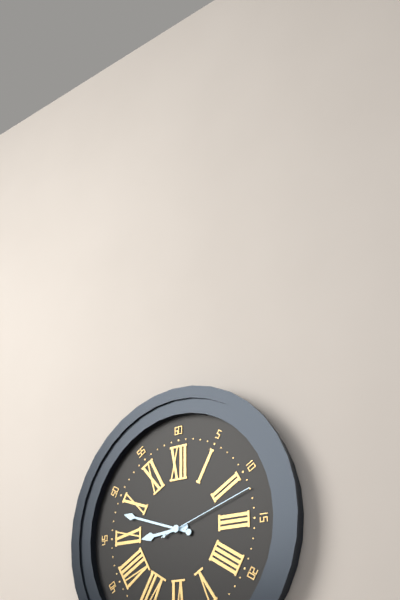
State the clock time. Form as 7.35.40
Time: 8.48.12
